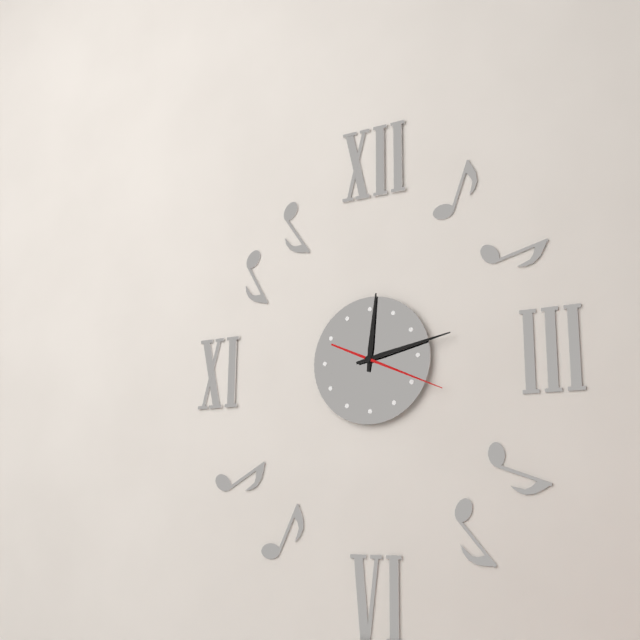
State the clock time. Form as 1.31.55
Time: 12.13.19
